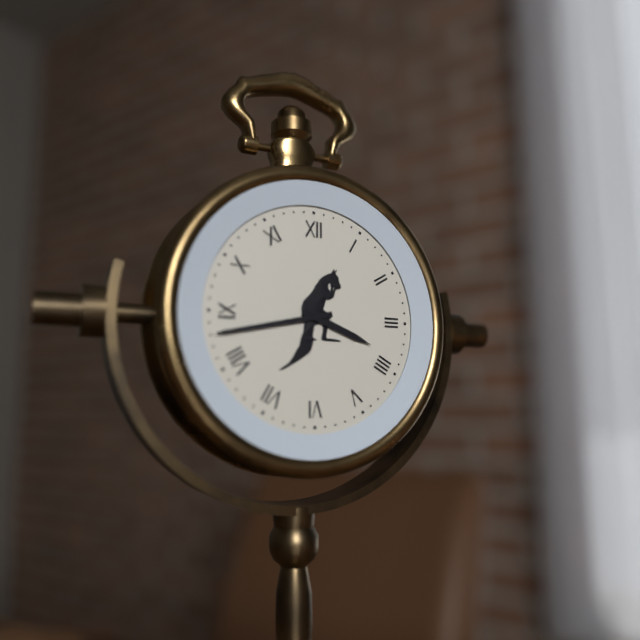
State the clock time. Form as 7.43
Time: 3.43
